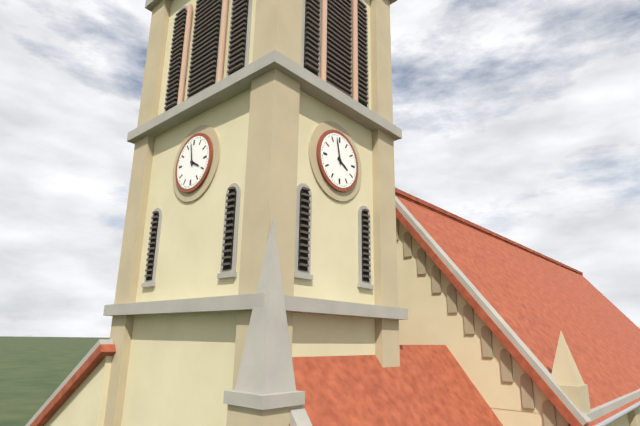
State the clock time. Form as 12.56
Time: 3.58
